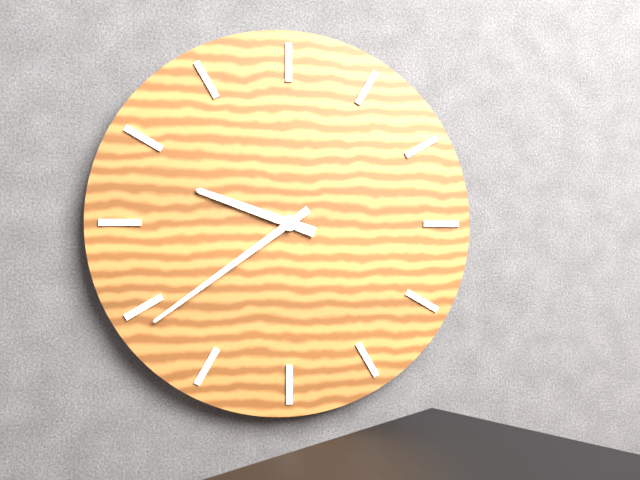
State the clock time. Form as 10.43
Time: 9.39
